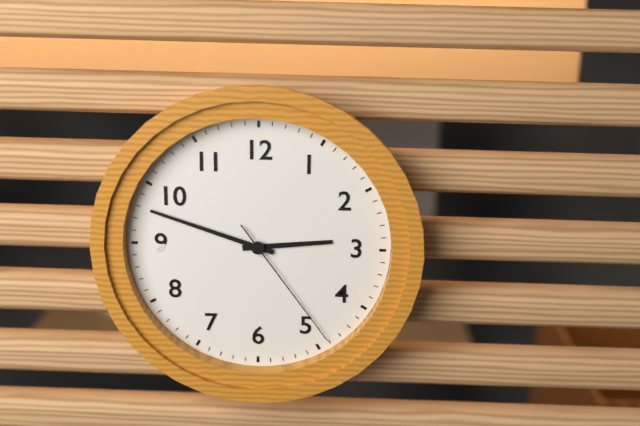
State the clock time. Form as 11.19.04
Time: 2.48.24
